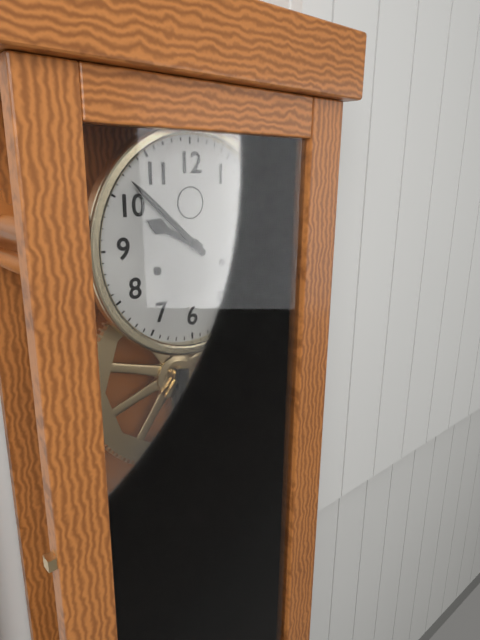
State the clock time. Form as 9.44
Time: 9.52
